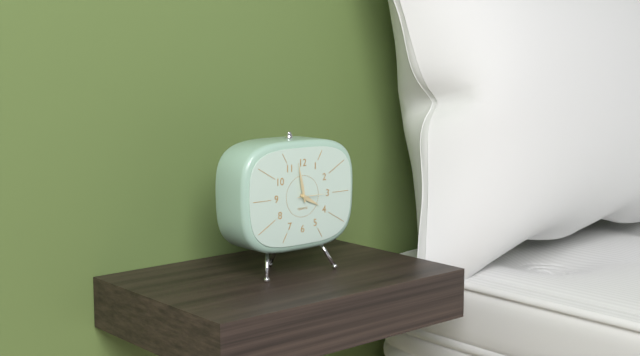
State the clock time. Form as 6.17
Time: 3.58
